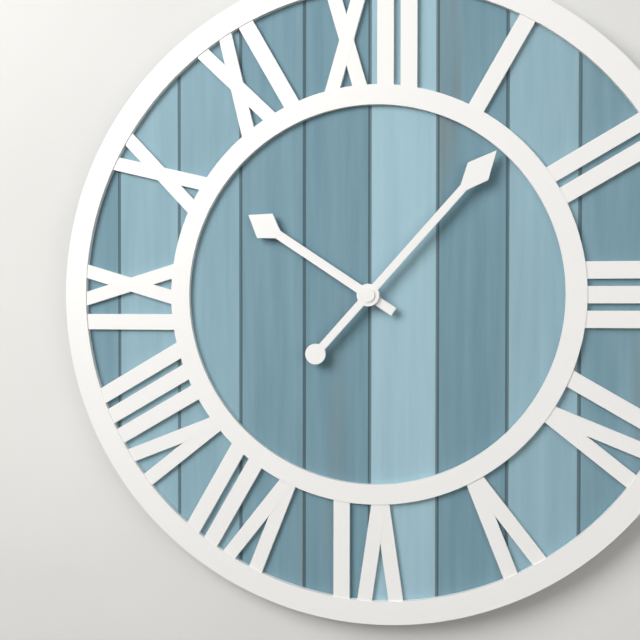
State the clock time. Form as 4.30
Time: 10.07
